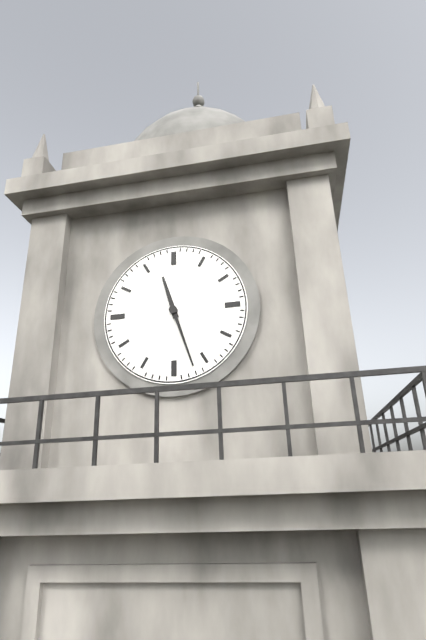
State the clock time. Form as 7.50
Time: 11.27
